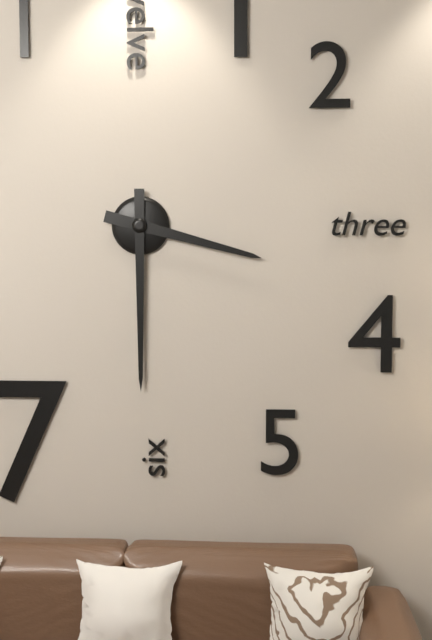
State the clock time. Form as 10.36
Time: 3.30
